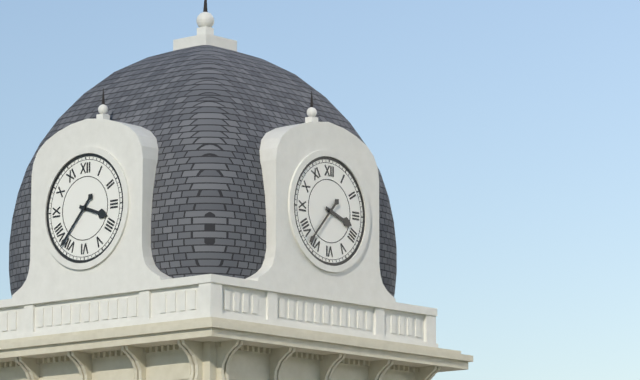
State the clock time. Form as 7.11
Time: 3.37
